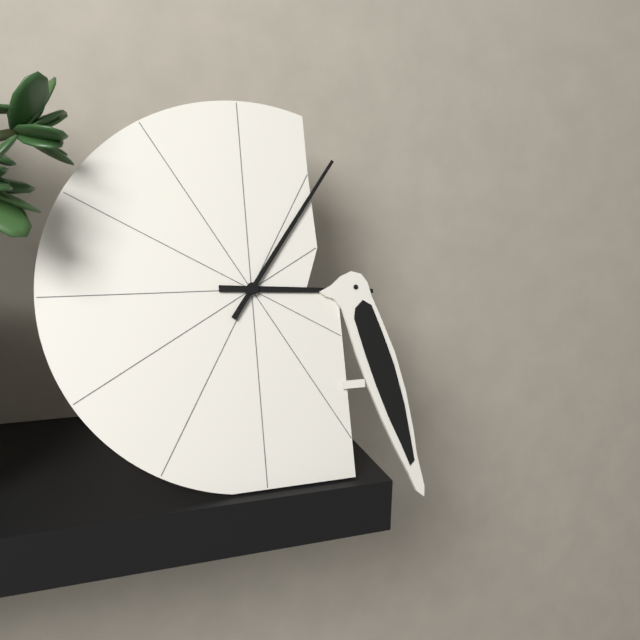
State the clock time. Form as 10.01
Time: 3.06
